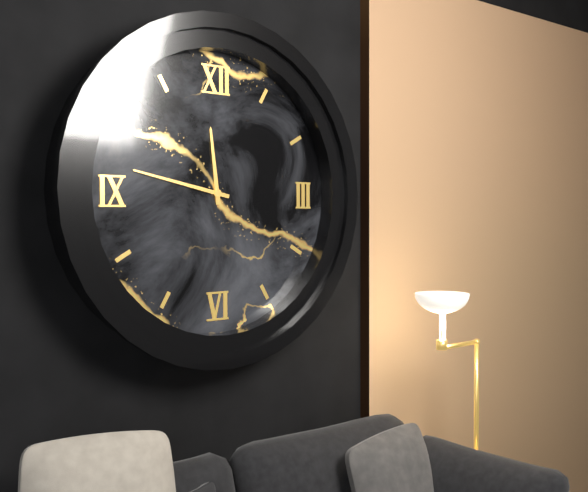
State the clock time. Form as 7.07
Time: 11.47
